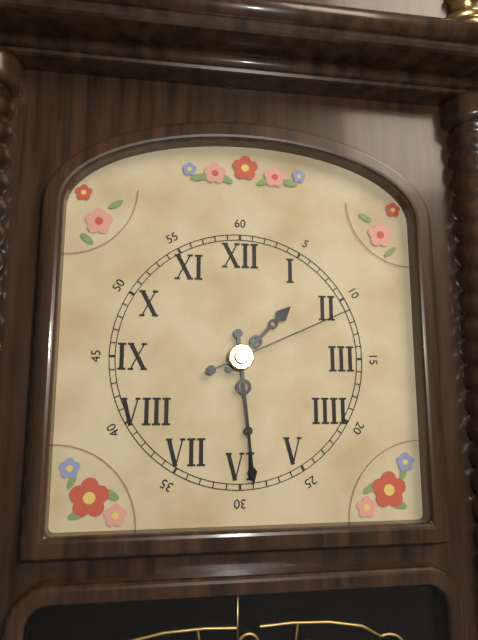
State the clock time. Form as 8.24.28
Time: 1.29.11
